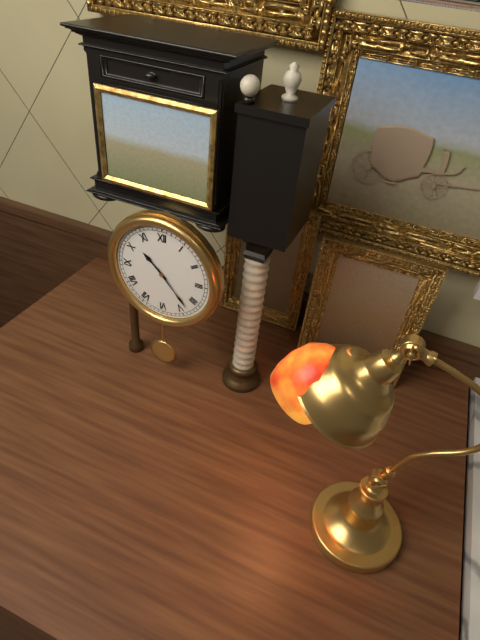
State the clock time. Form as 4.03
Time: 10.23
